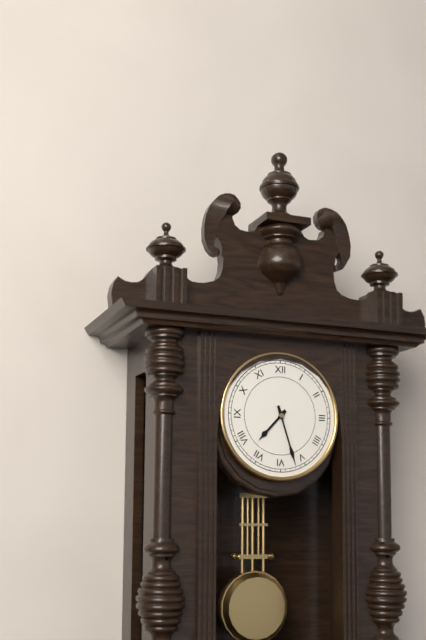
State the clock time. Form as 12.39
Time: 7.27
